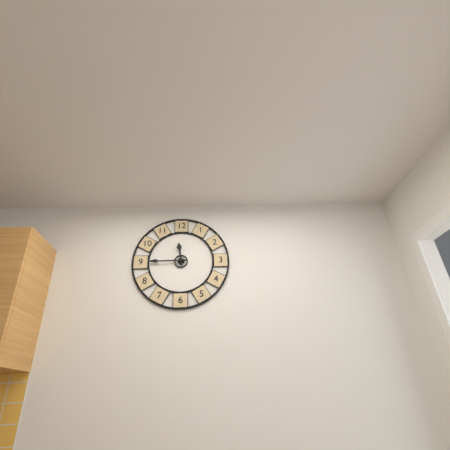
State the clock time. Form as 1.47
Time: 11.45
